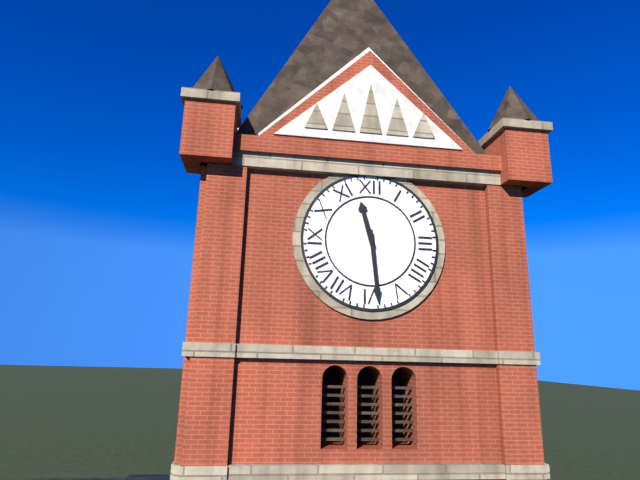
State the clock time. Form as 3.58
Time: 11.29
